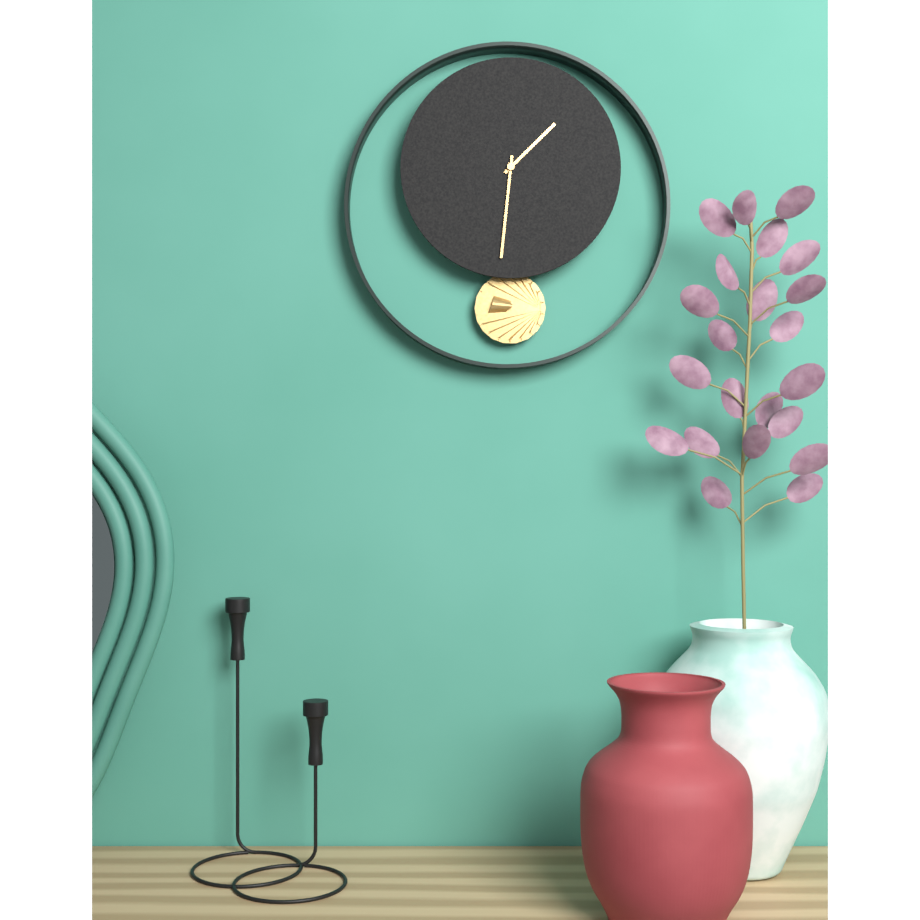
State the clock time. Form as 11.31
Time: 1.31
